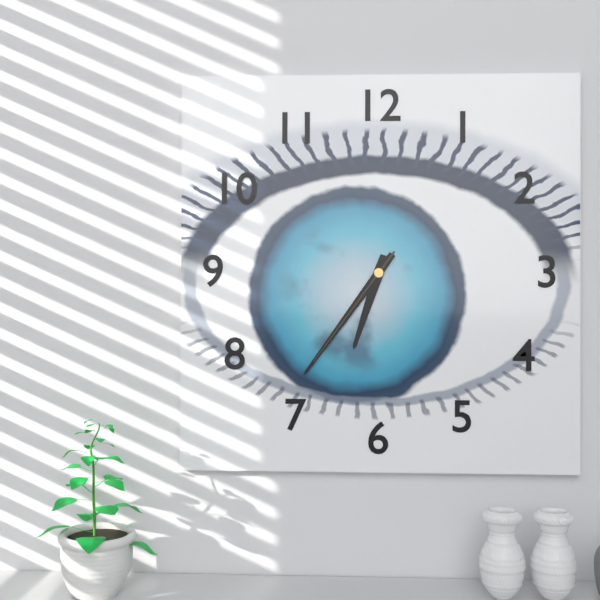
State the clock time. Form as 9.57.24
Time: 6.36.36
